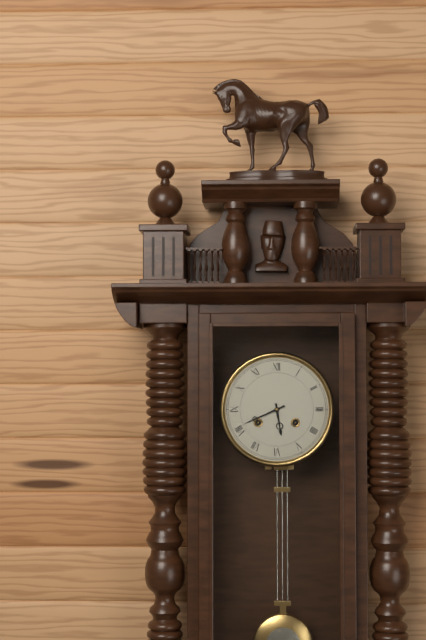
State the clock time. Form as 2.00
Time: 5.41
